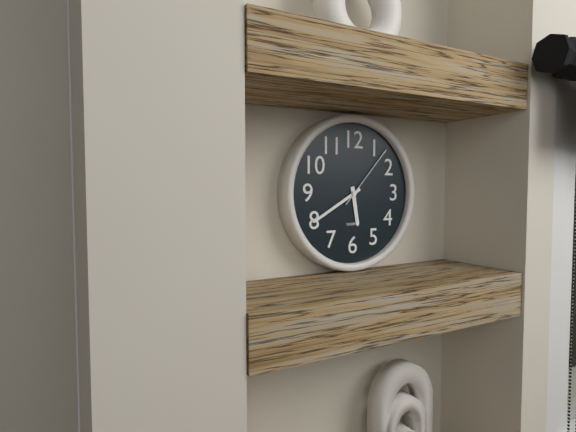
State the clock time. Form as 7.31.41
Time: 5.40.07
